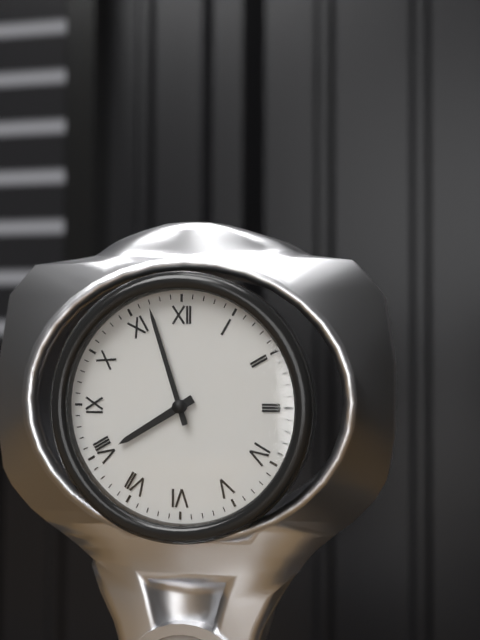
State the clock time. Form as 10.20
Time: 7.57
